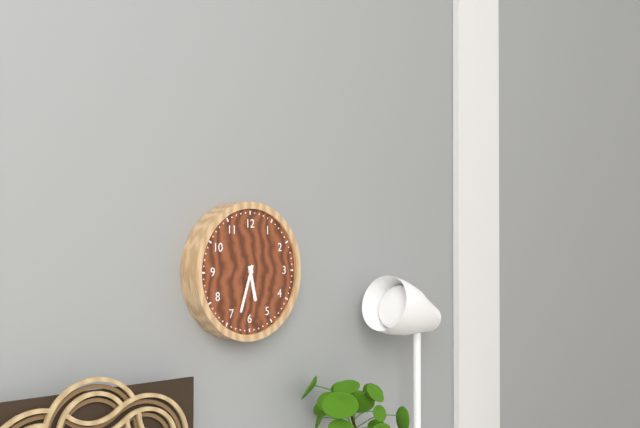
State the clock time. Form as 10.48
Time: 5.33
